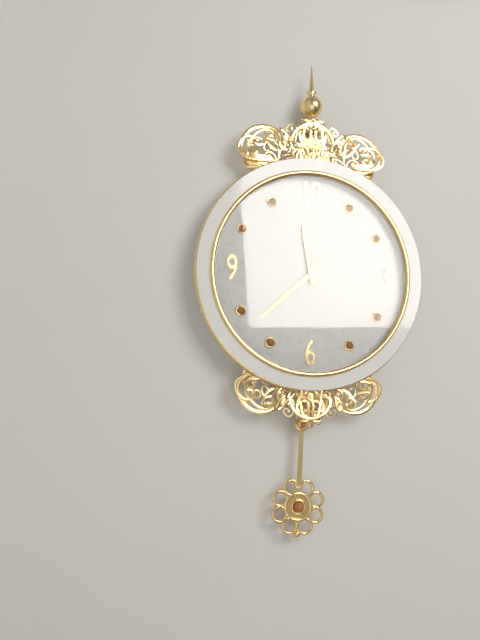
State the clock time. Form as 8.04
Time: 11.38
